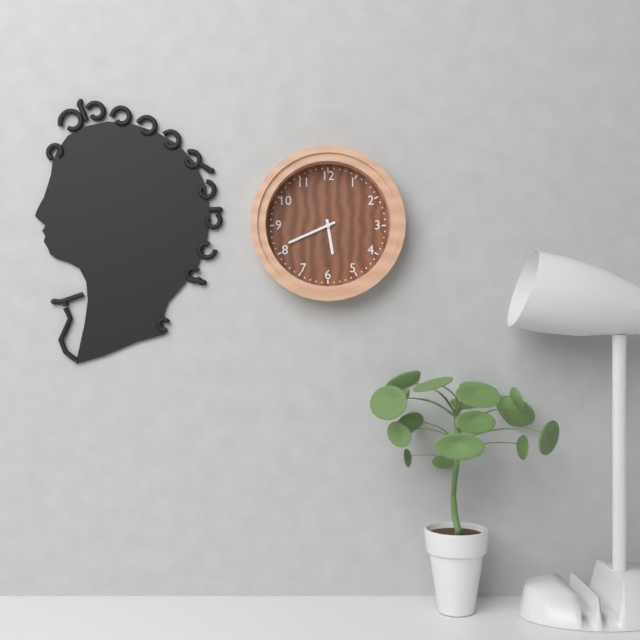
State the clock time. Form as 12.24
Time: 5.41
